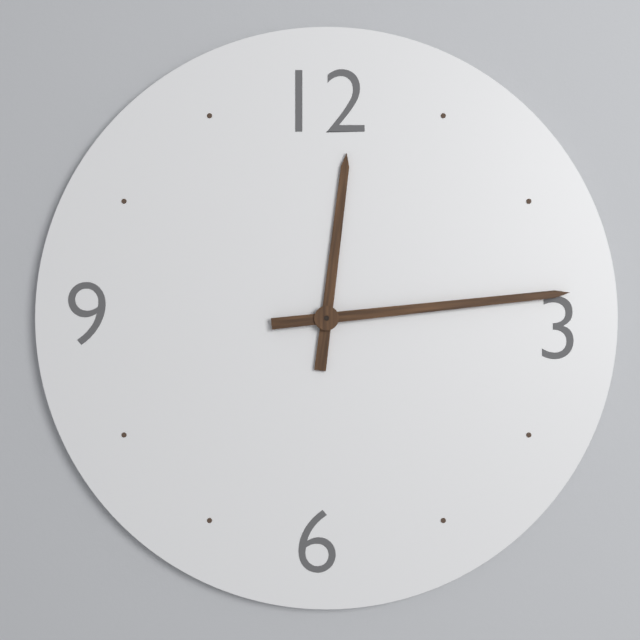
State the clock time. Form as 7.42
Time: 12.14
